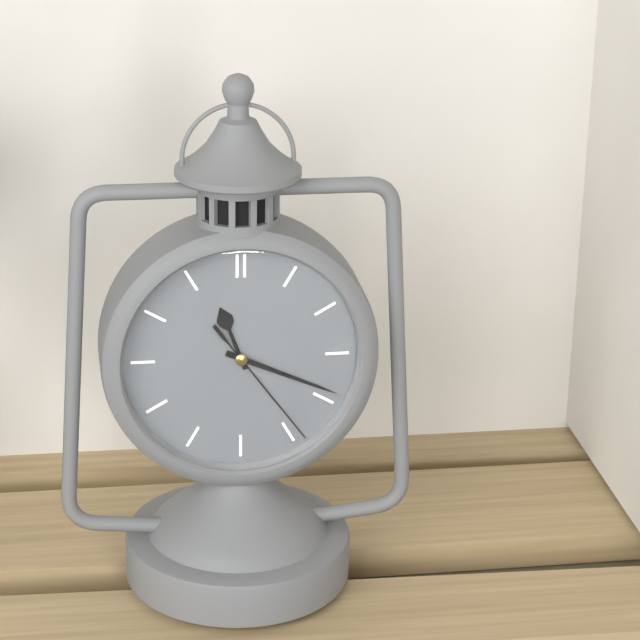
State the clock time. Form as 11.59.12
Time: 11.19.24
